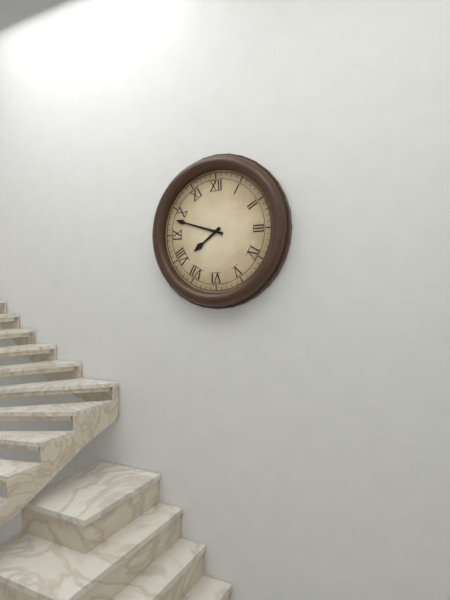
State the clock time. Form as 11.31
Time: 7.48
